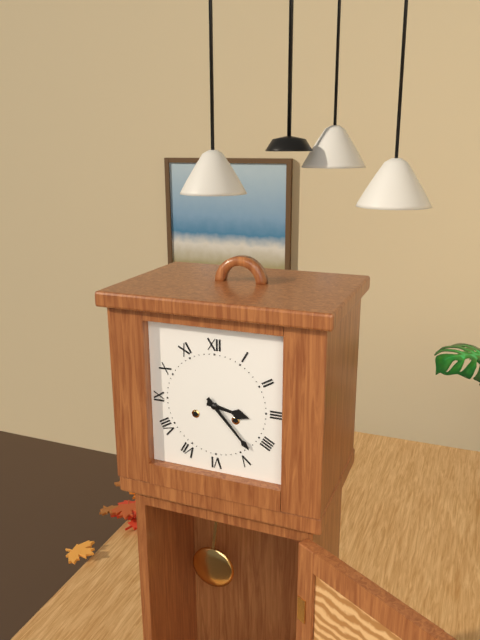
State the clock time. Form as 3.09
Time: 3.23
